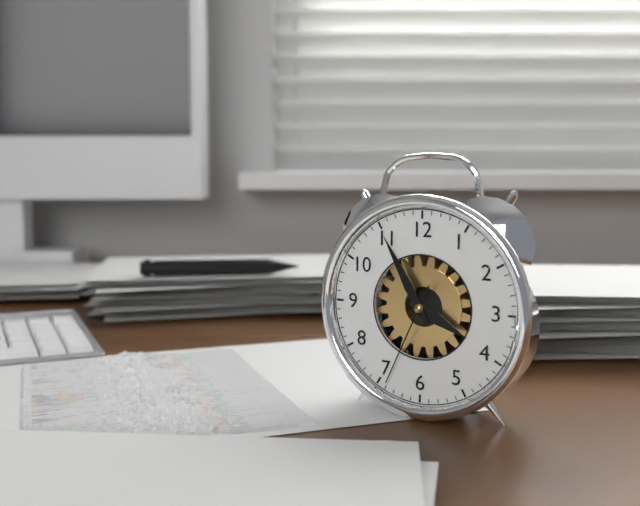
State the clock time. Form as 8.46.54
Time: 3.55.34
